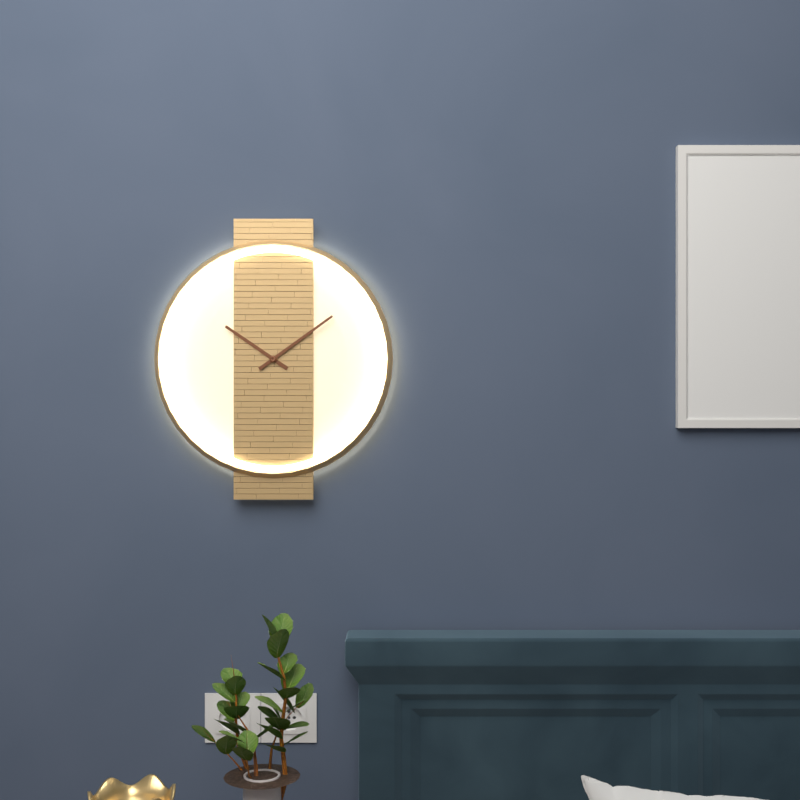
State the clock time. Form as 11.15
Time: 10.09
